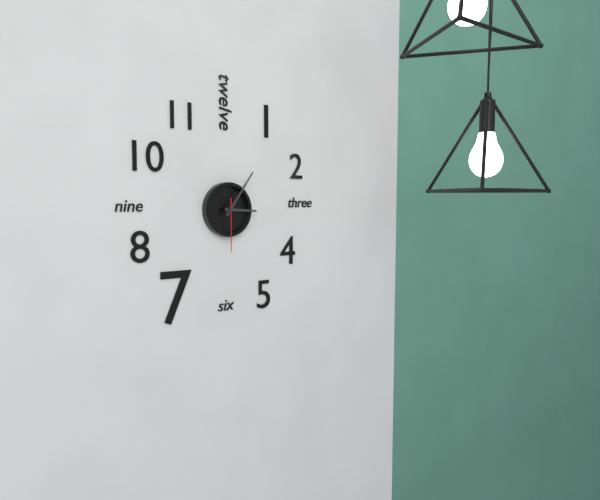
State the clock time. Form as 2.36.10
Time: 3.06.30
